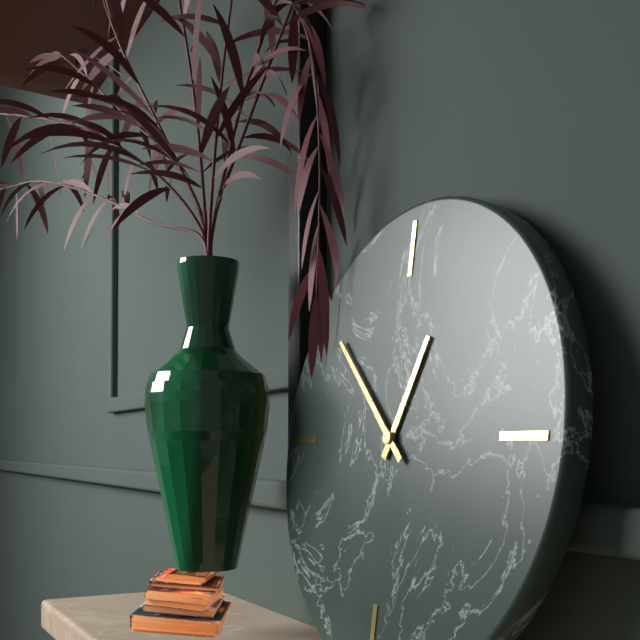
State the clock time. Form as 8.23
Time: 12.52
